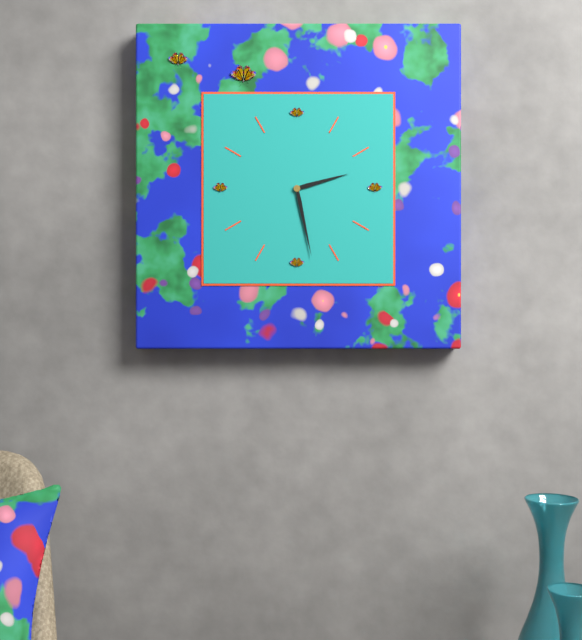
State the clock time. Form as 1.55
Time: 2.28
